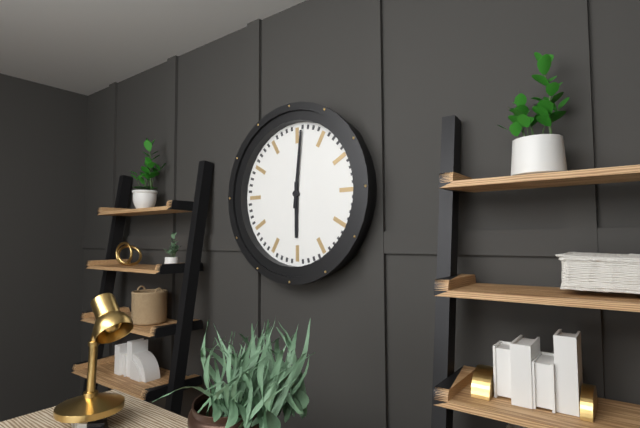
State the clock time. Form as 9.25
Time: 6.01
